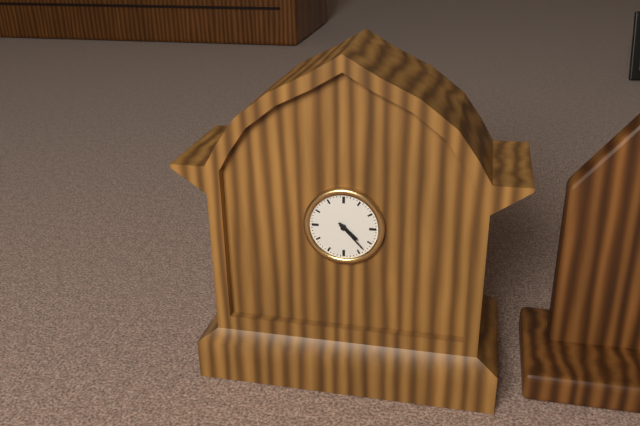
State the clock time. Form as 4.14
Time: 4.23
